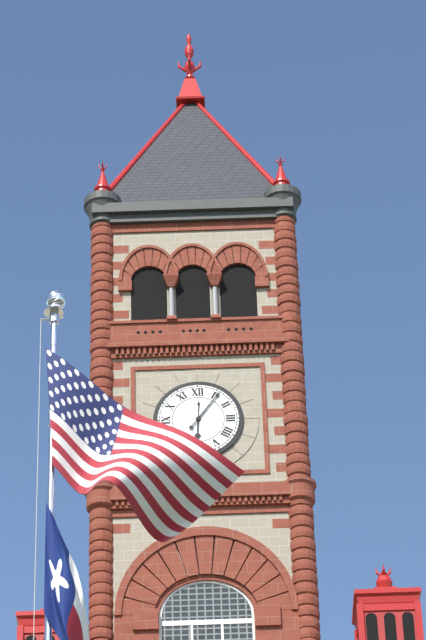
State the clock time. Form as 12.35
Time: 6.06
